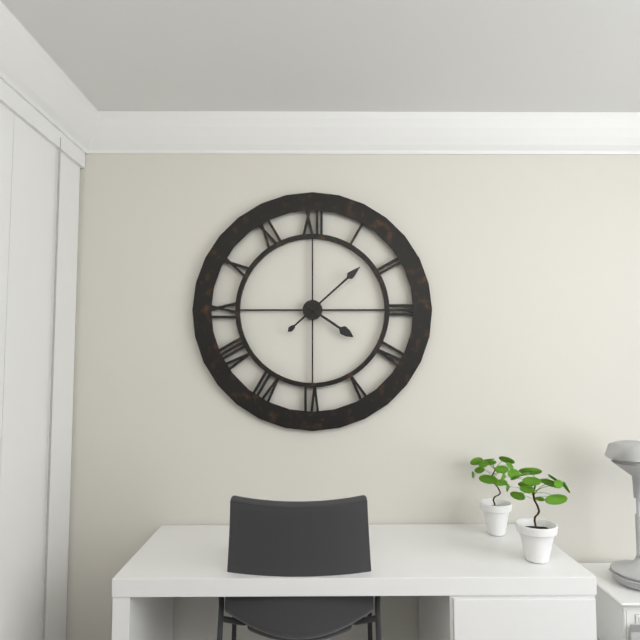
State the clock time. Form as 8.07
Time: 4.08
